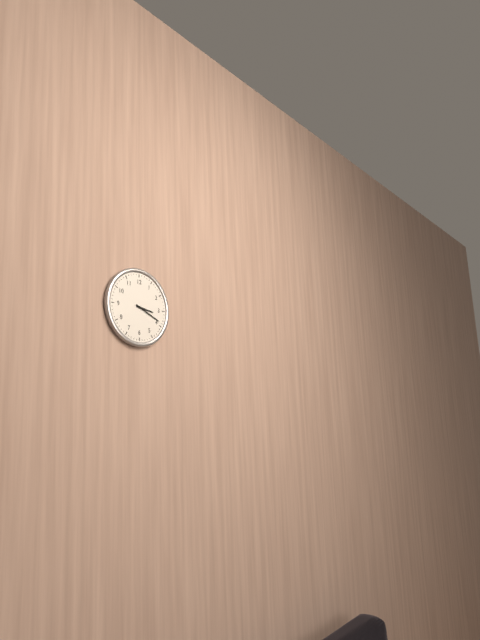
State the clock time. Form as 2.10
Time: 3.19
